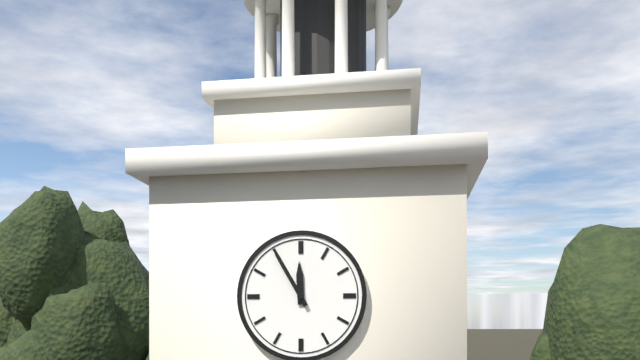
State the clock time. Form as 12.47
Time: 11.55
